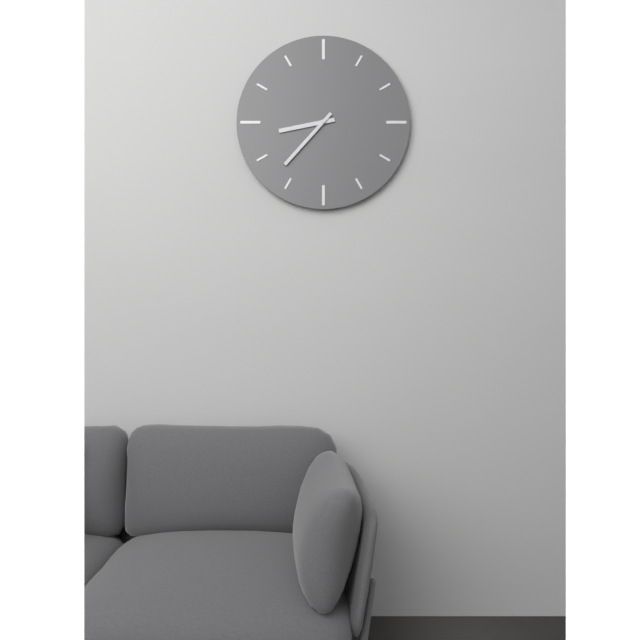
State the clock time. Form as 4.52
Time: 8.37
